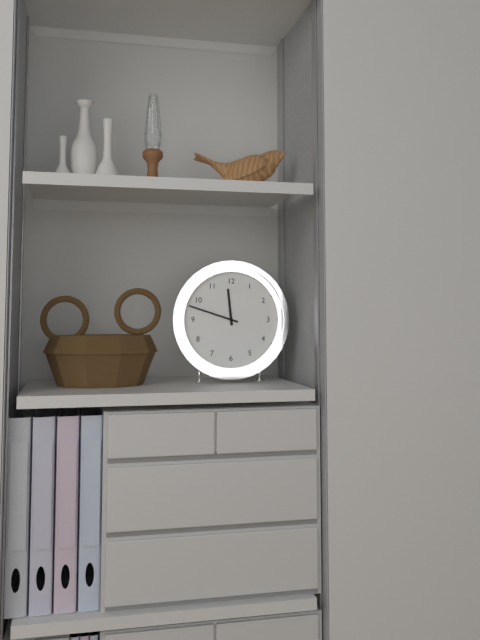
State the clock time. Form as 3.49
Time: 11.48
